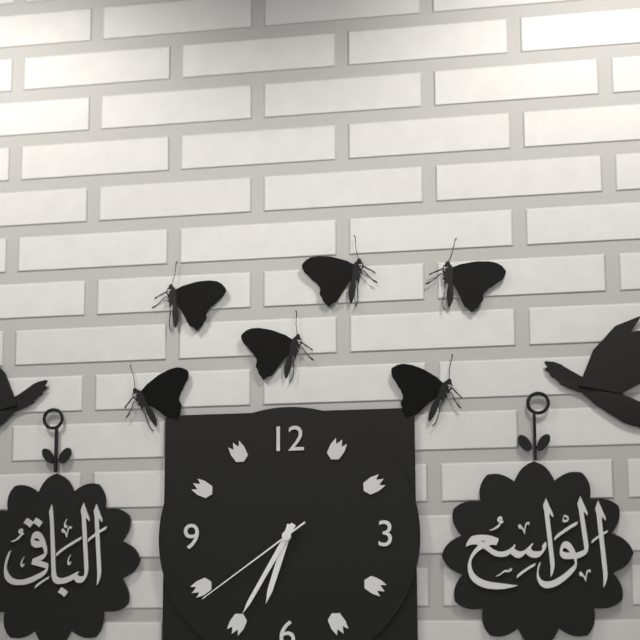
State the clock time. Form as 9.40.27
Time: 6.35.39
